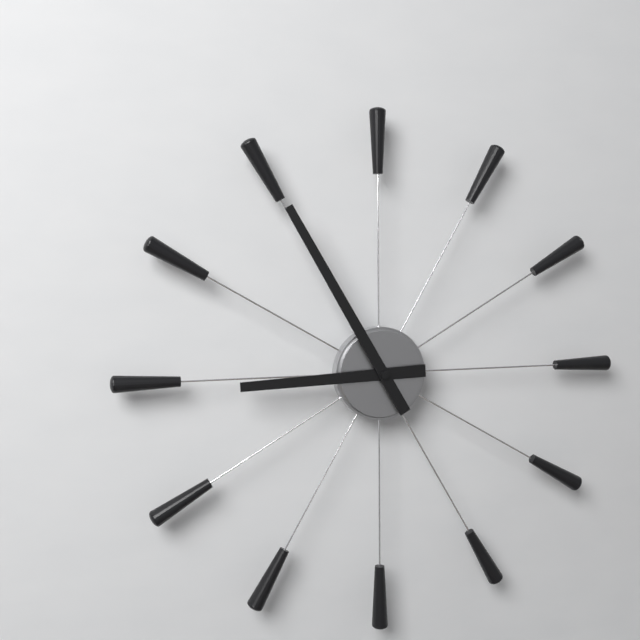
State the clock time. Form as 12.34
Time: 8.55
